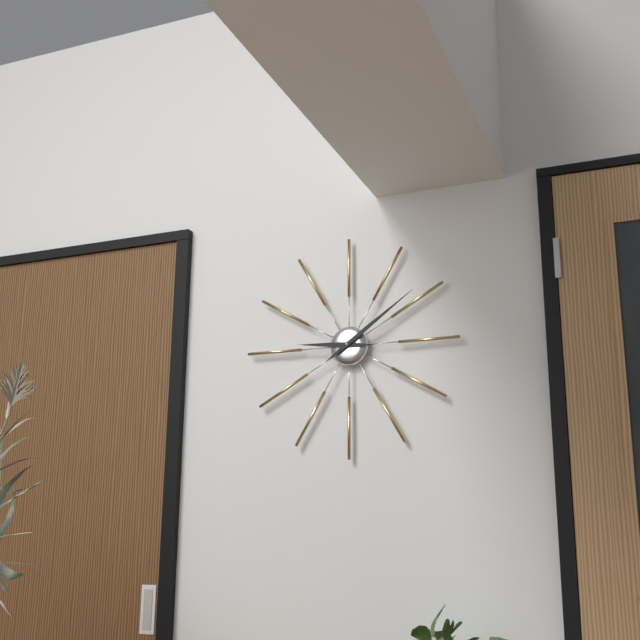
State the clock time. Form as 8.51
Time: 9.09
